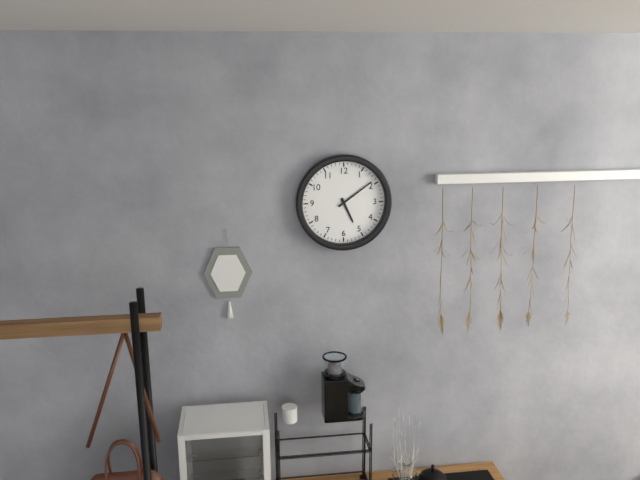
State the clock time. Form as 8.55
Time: 5.09
